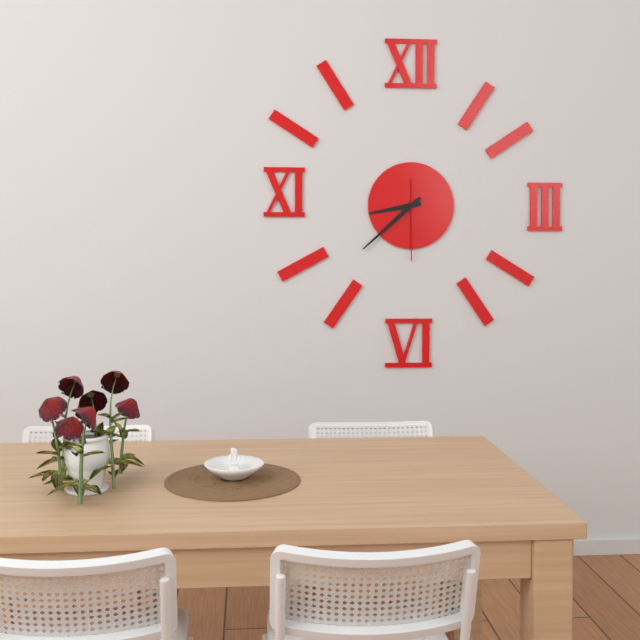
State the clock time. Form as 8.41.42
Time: 8.38.30
